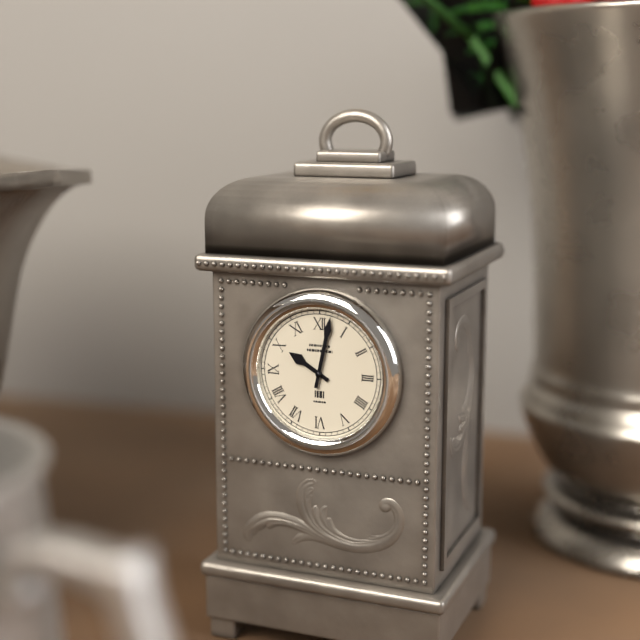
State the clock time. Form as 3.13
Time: 10.02
